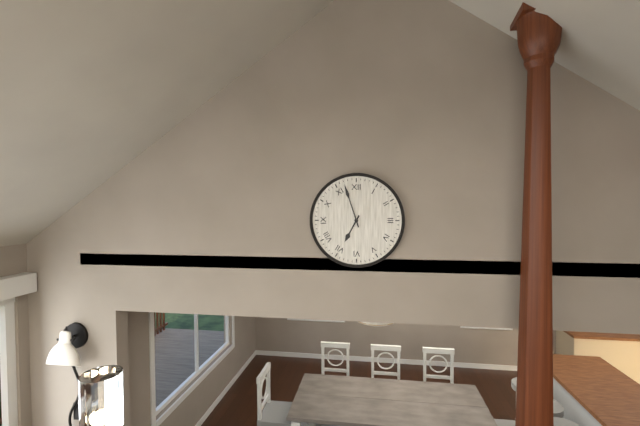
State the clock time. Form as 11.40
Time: 6.57
